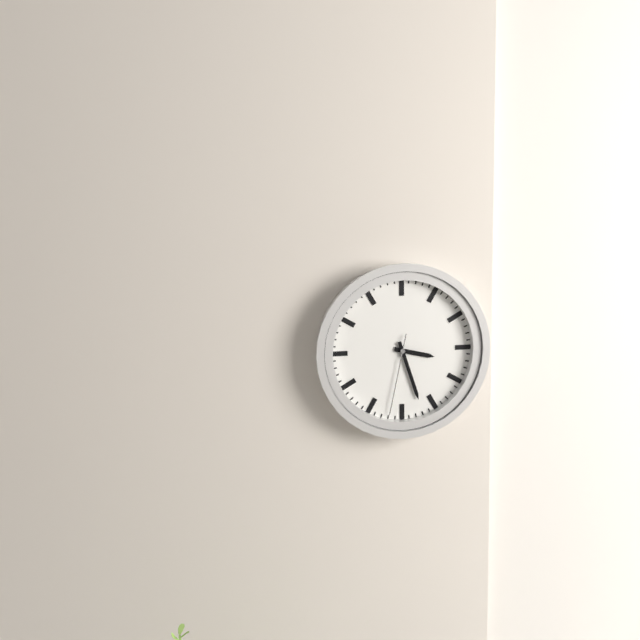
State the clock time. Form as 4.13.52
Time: 3.27.32
